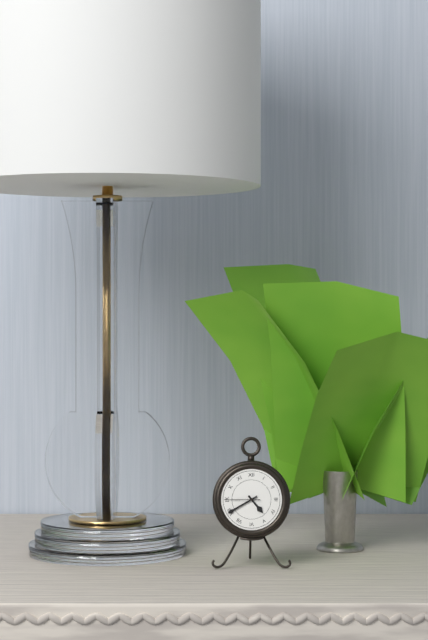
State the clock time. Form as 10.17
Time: 4.40
